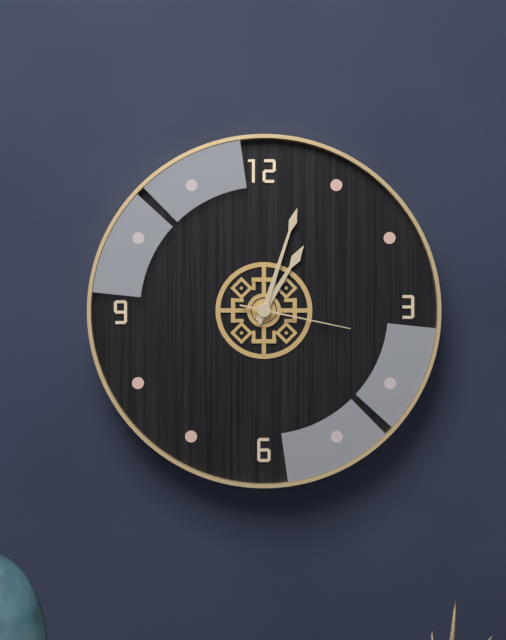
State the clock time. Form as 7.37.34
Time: 1.03.17
